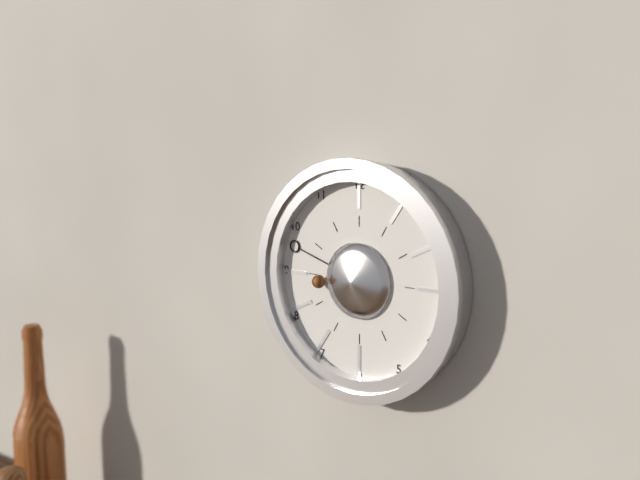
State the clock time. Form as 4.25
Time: 8.48
